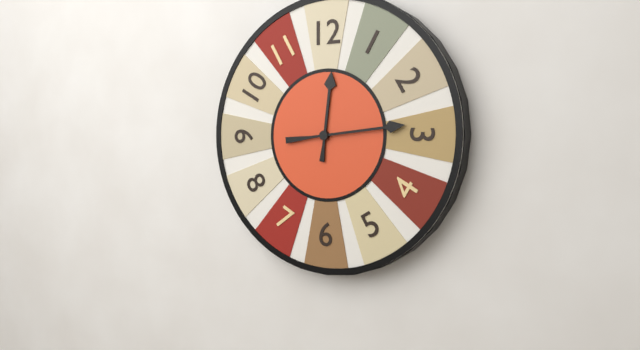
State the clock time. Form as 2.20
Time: 12.14
